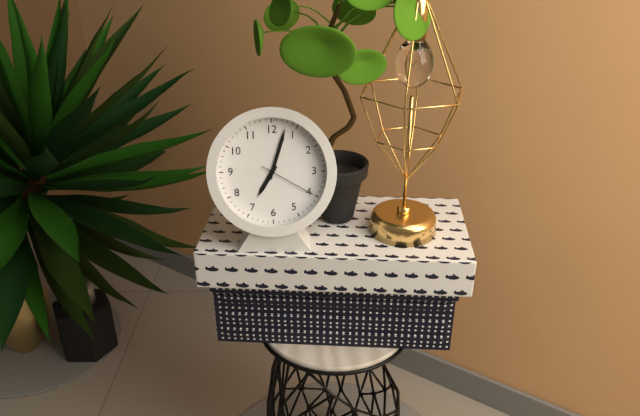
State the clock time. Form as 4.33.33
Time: 7.03.20
